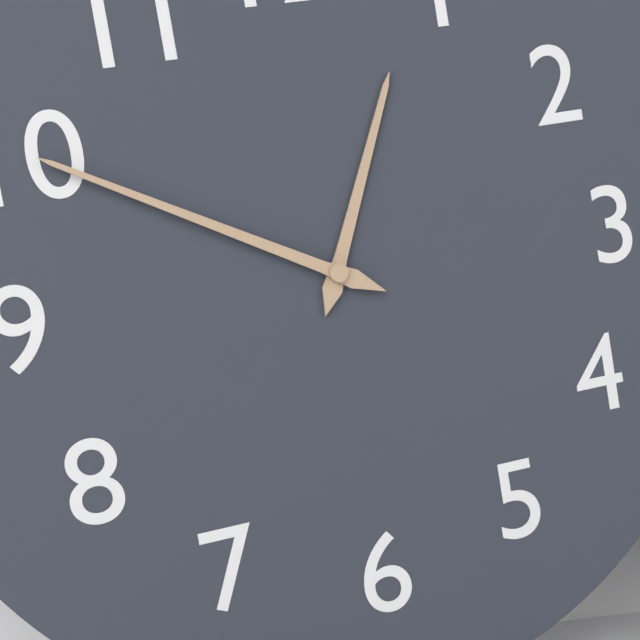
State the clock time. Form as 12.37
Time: 12.50
